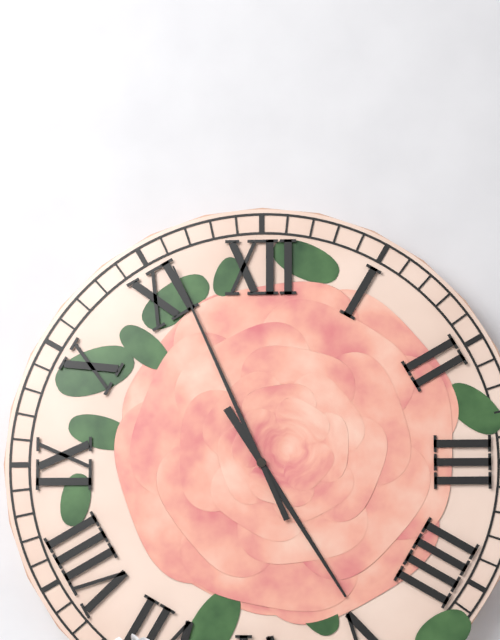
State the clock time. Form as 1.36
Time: 4.56
